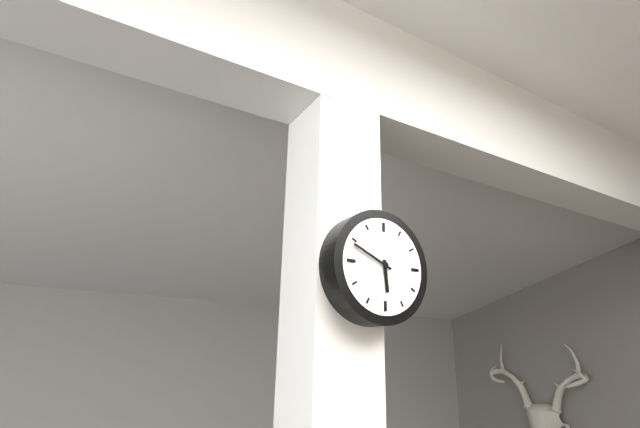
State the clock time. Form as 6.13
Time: 5.49
